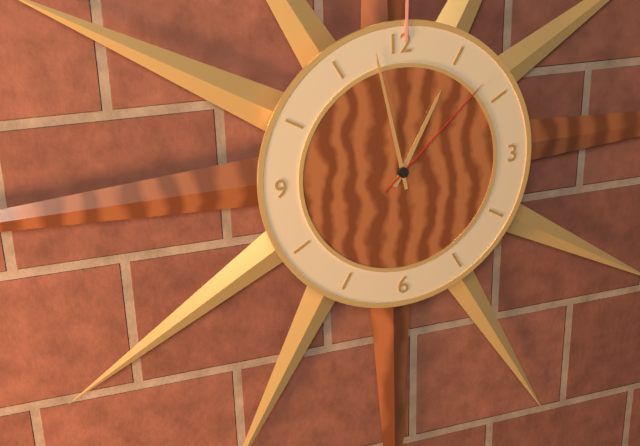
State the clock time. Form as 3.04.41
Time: 12.58.08
